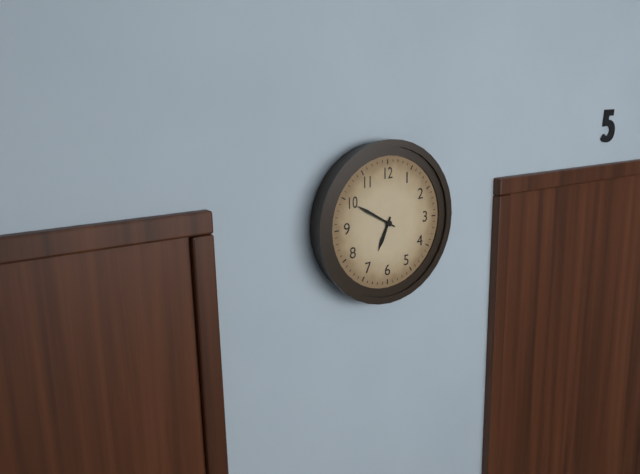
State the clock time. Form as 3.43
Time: 6.50
